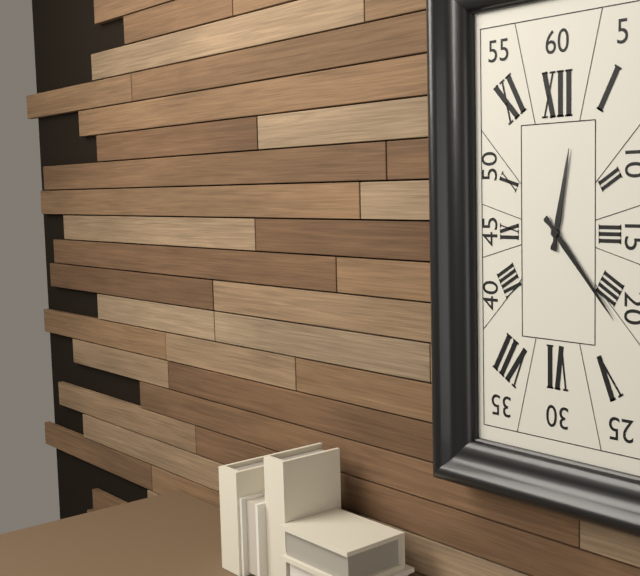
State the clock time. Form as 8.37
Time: 12.23
